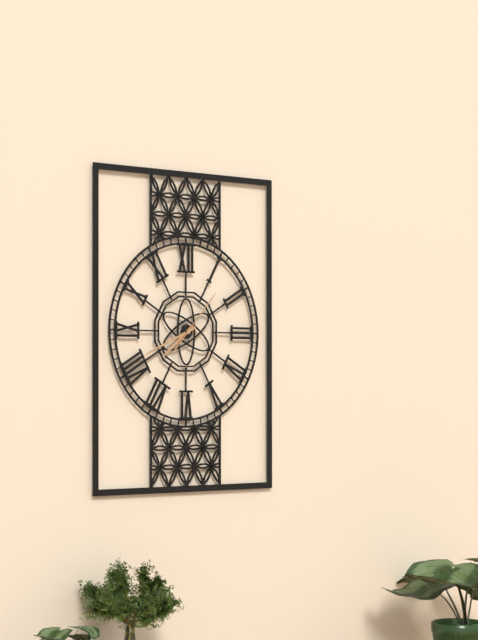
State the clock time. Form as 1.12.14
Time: 7.41.07
